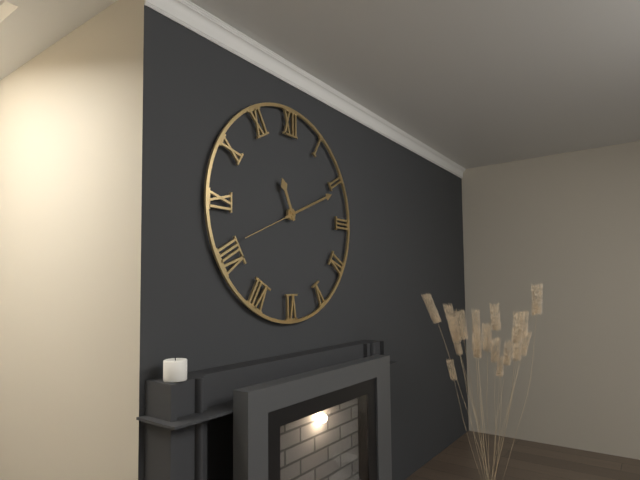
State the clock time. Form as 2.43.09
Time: 11.11.41
